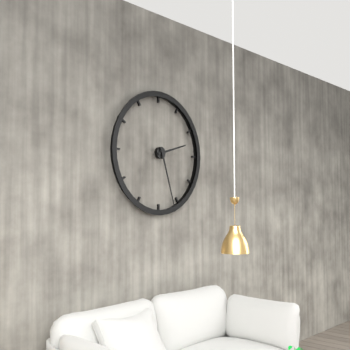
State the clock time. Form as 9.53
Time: 2.27
